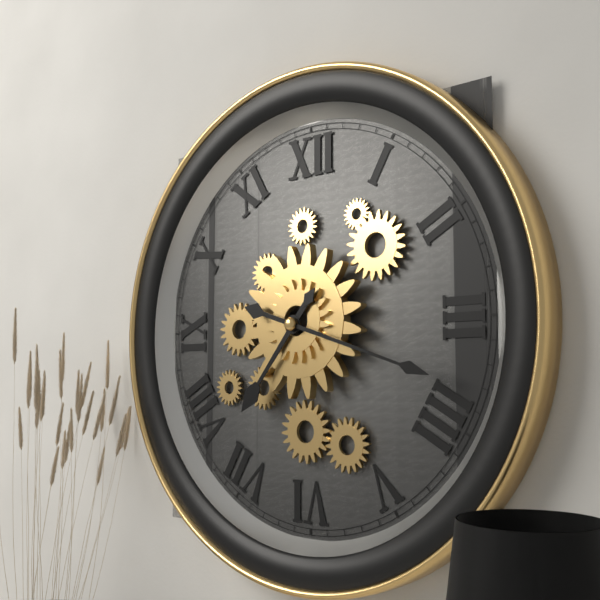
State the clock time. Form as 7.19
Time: 7.18
